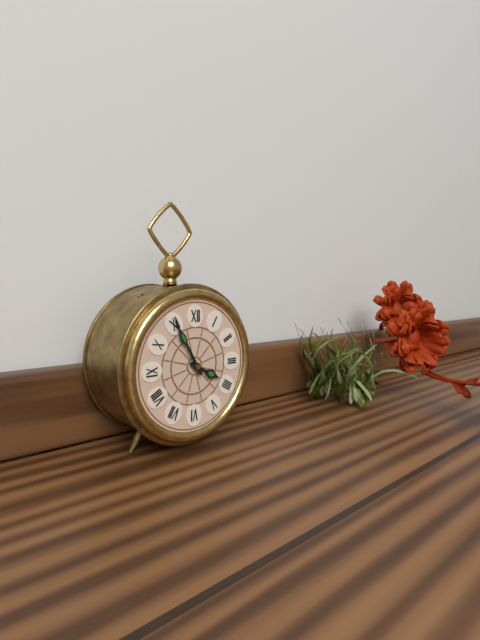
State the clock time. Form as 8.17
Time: 3.55
